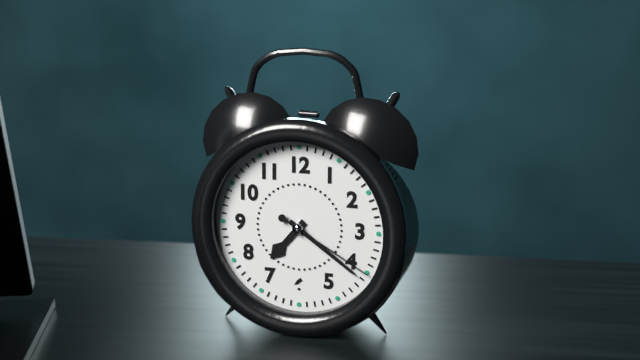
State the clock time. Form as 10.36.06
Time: 7.21.20
